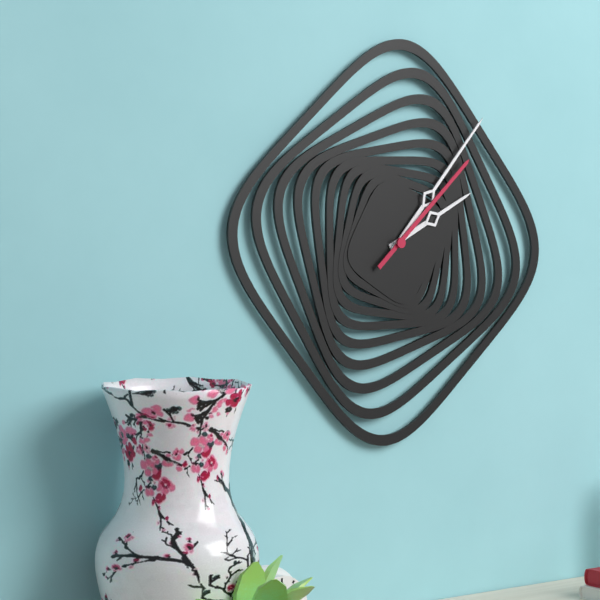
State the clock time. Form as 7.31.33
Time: 2.07.08
